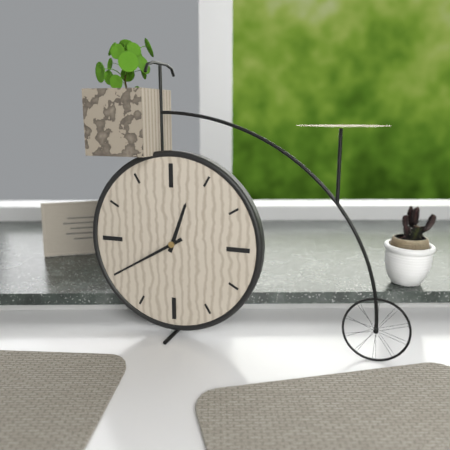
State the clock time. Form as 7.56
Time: 12.40
